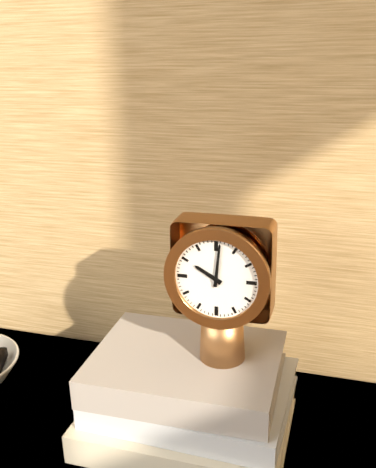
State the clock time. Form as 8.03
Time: 10.01
